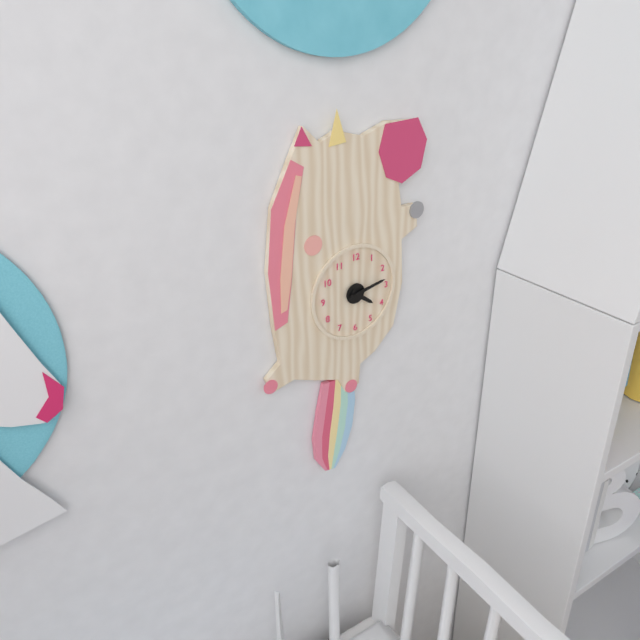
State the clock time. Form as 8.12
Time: 4.13
